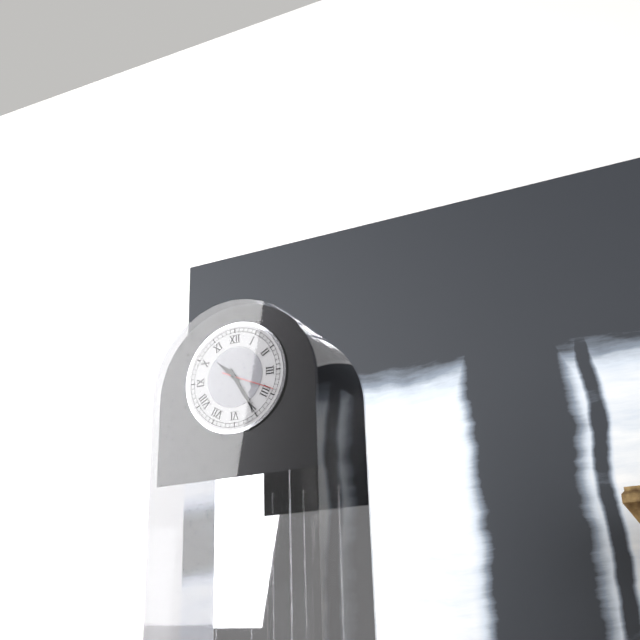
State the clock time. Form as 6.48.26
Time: 10.25.19
